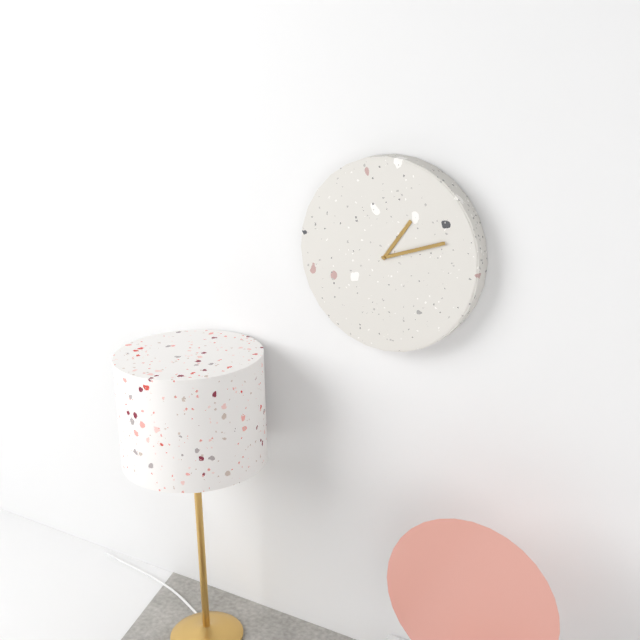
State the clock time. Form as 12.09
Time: 1.12
